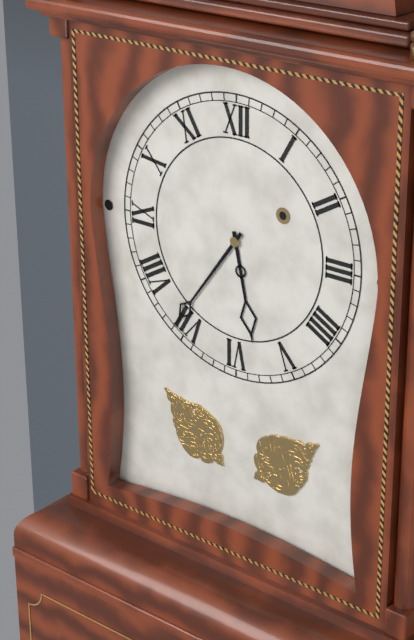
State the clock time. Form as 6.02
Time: 5.36
